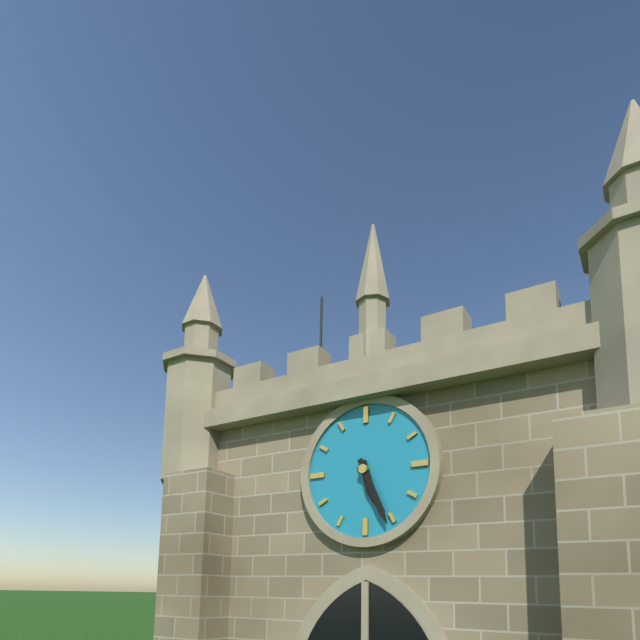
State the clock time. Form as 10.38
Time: 5.26
